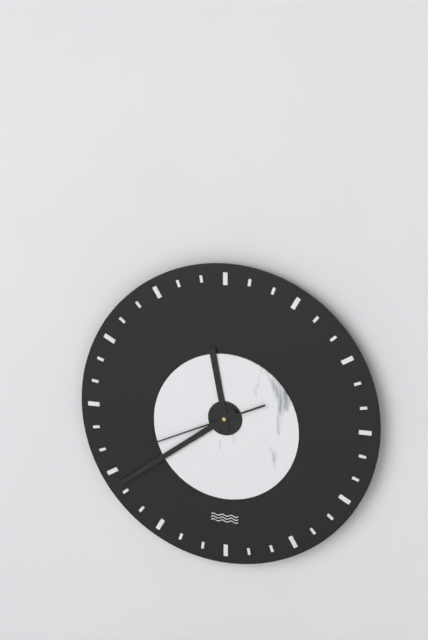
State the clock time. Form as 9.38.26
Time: 11.39.41
